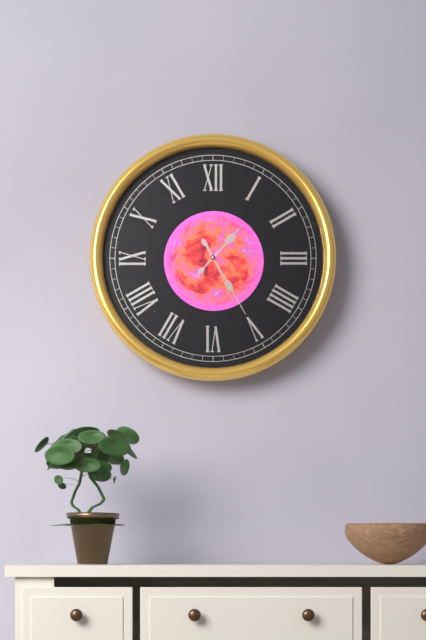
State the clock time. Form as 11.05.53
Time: 1.25.26
